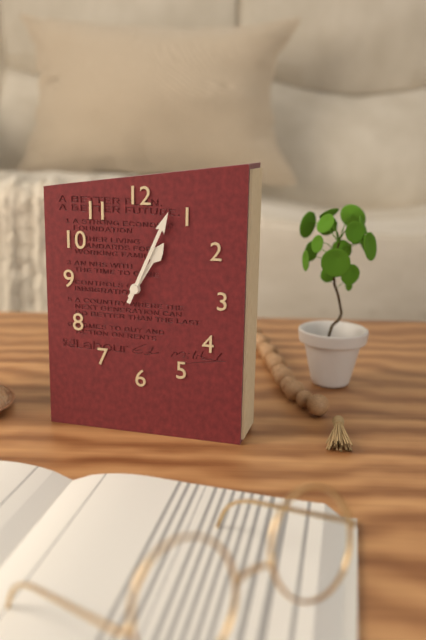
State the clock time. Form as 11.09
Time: 1.04
